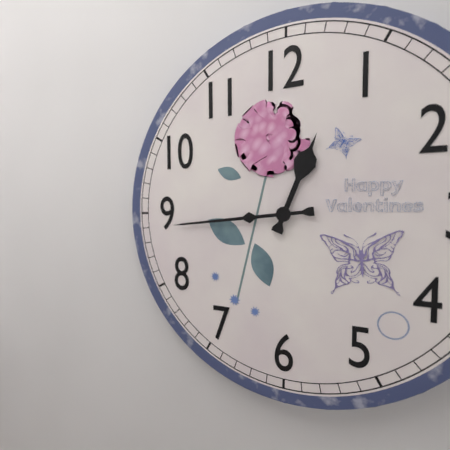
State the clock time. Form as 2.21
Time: 12.44
